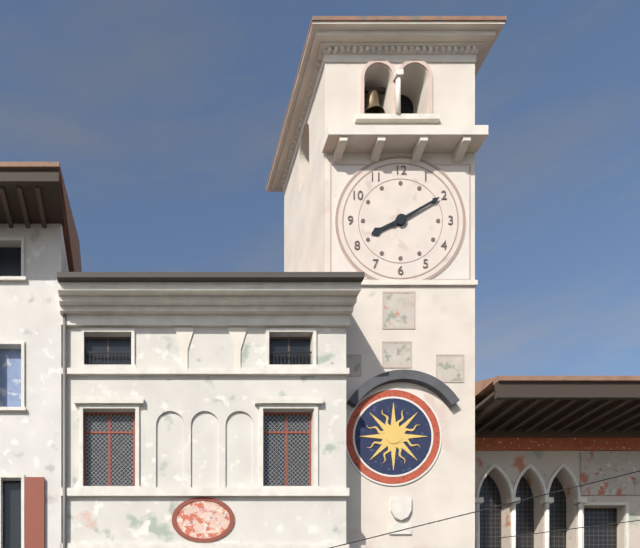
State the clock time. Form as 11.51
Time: 8.10
